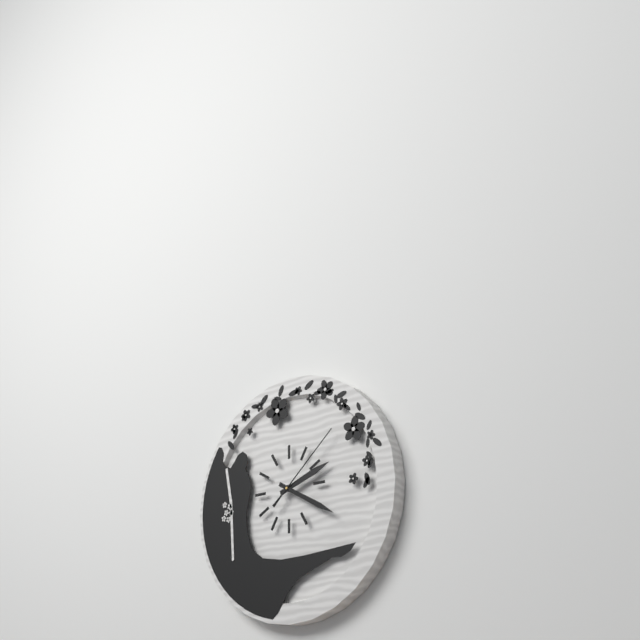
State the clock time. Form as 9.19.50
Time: 2.20.08
